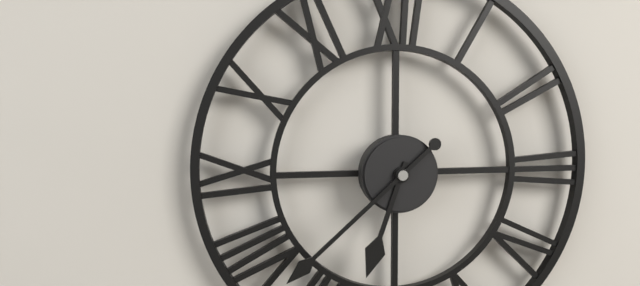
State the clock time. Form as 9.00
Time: 6.38
